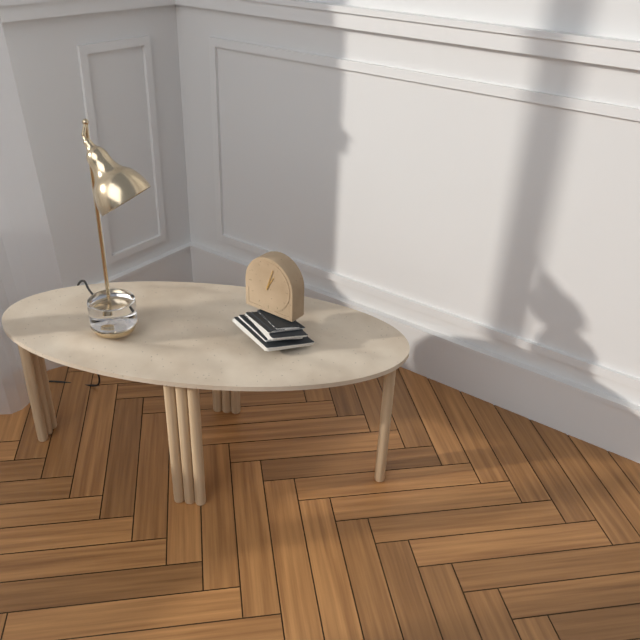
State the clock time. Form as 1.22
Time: 1.03
